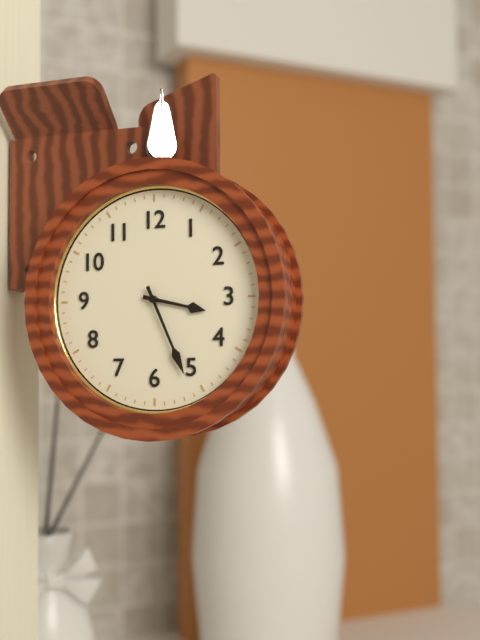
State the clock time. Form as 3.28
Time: 3.26
